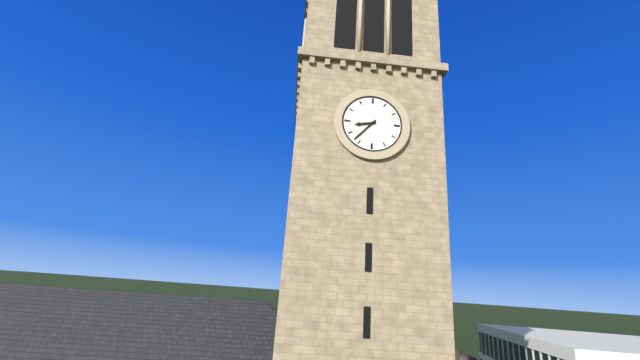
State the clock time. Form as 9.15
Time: 8.37
